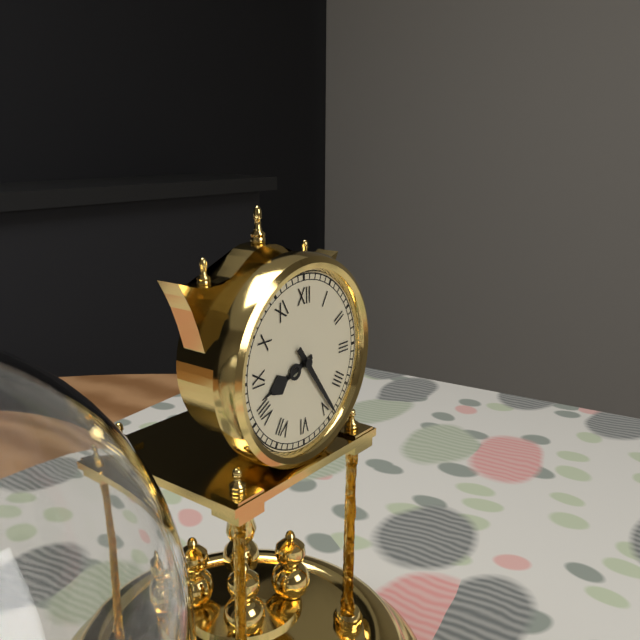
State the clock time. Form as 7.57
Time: 8.24
